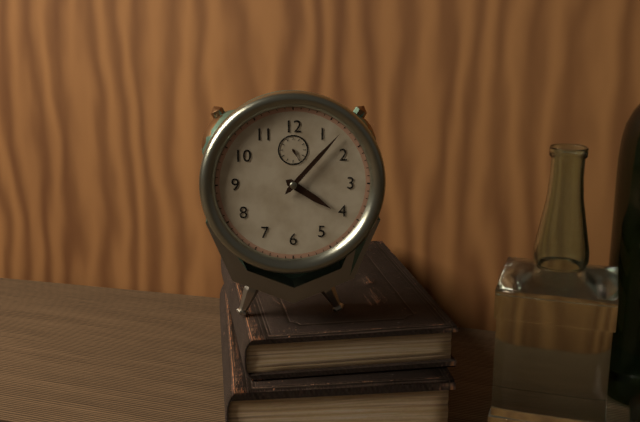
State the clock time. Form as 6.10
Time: 4.07
